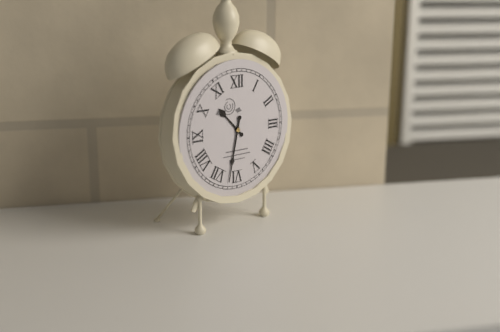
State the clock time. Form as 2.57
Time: 10.32
